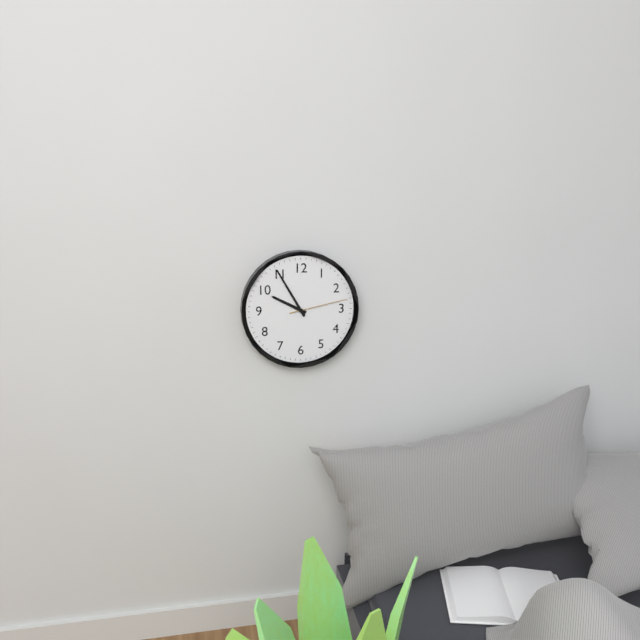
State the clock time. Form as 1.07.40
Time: 9.55.13
